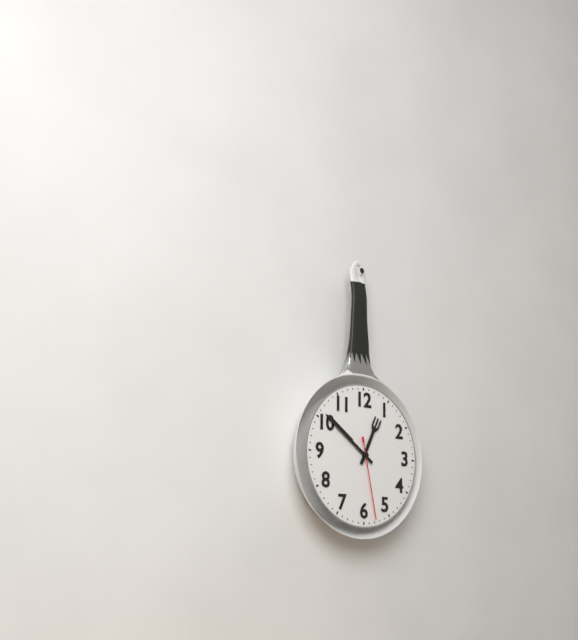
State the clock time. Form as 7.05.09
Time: 12.51.28
